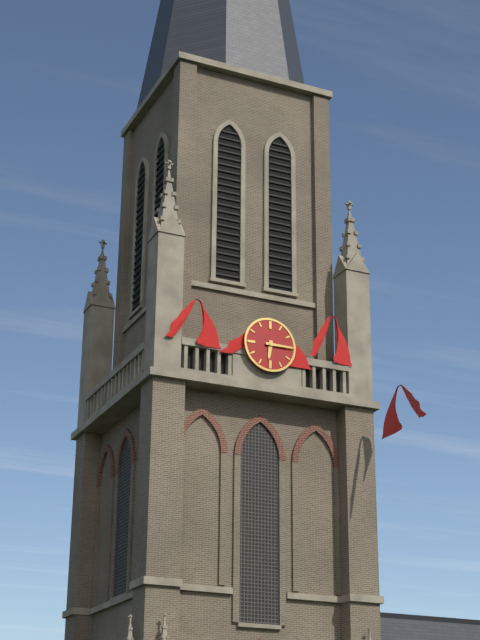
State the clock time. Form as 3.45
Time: 6.15
